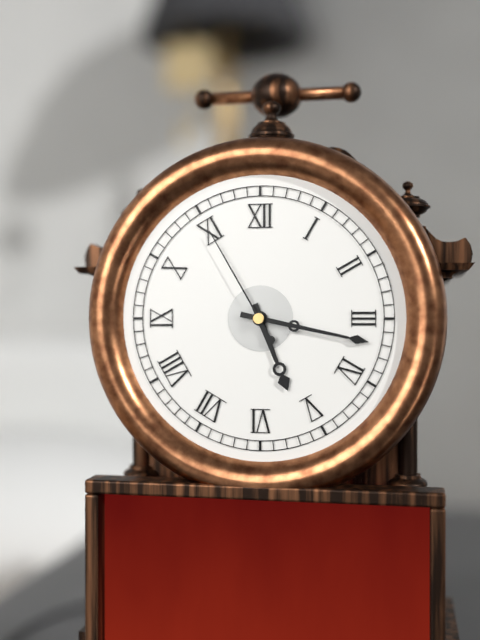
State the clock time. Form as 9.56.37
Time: 5.17.55
